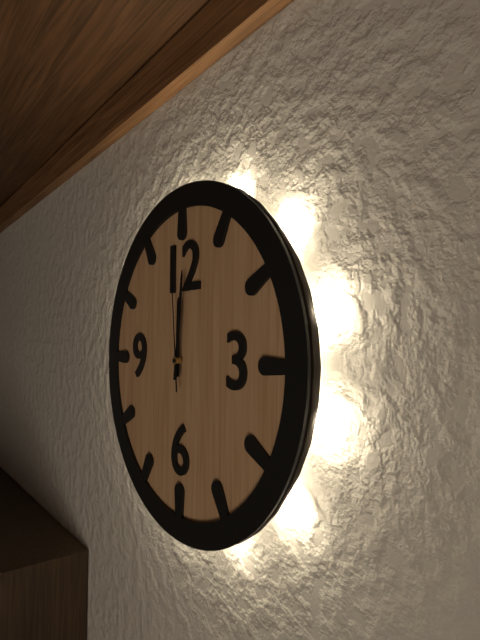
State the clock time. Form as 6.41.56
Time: 12.01.59
